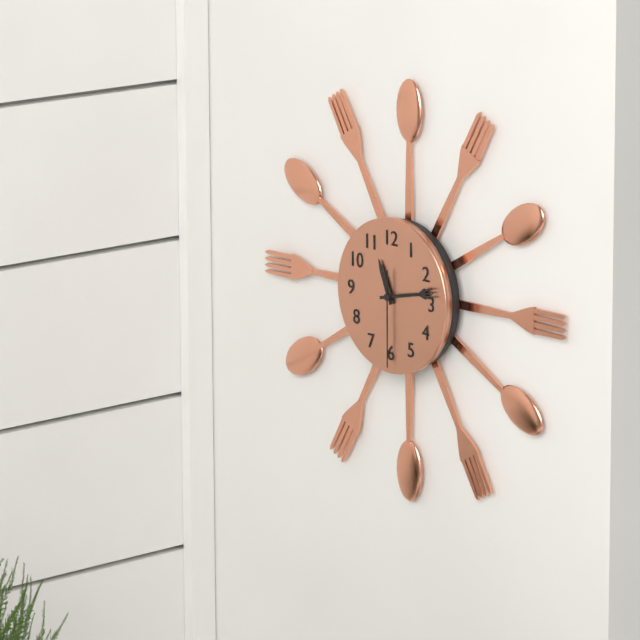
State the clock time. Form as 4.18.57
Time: 11.13.30
